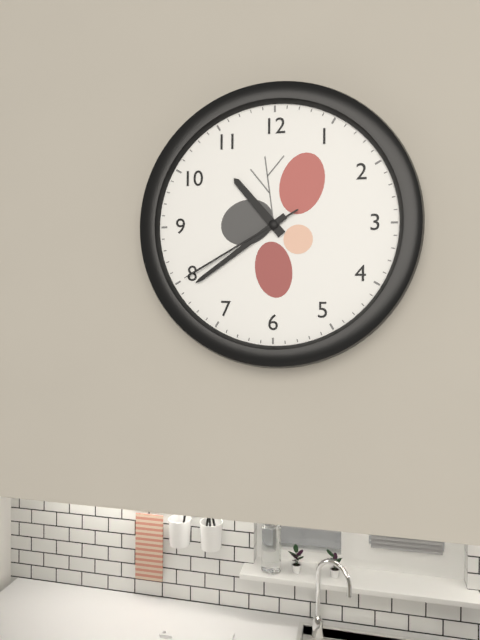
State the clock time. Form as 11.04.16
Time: 10.39.40
